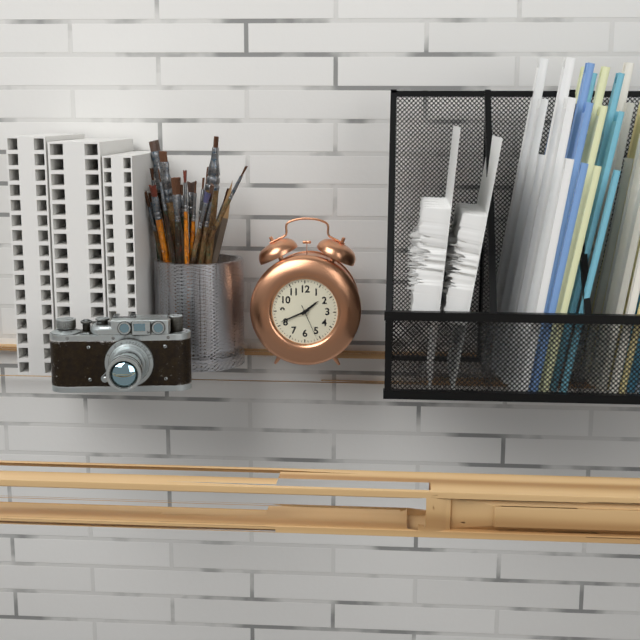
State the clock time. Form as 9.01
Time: 1.41
